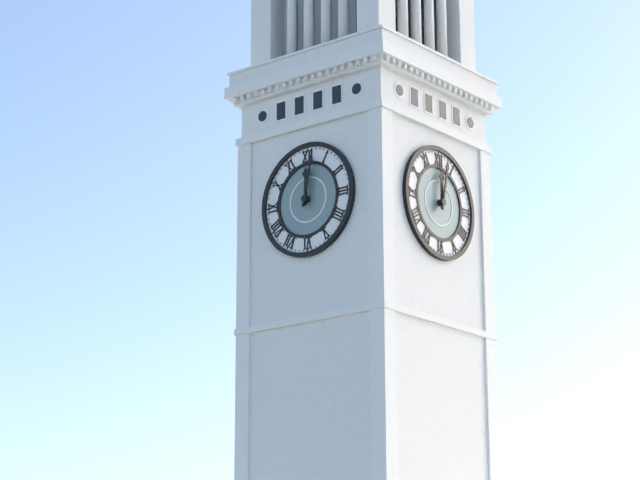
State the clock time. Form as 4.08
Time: 12.02
